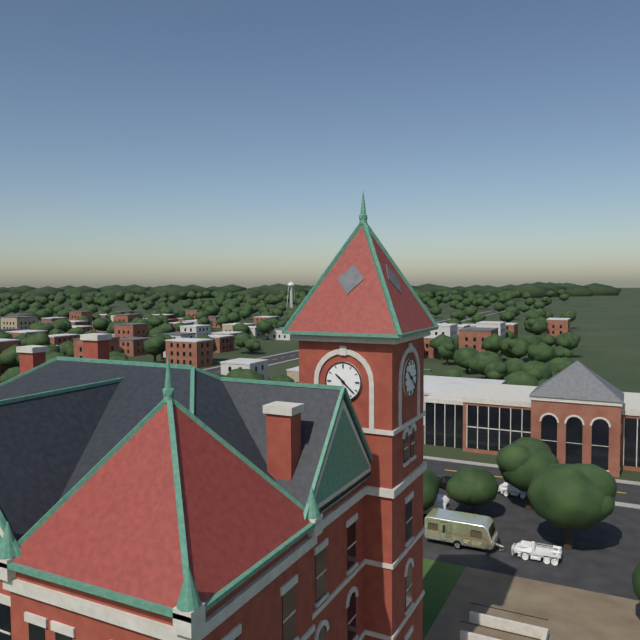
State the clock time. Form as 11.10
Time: 10.22
